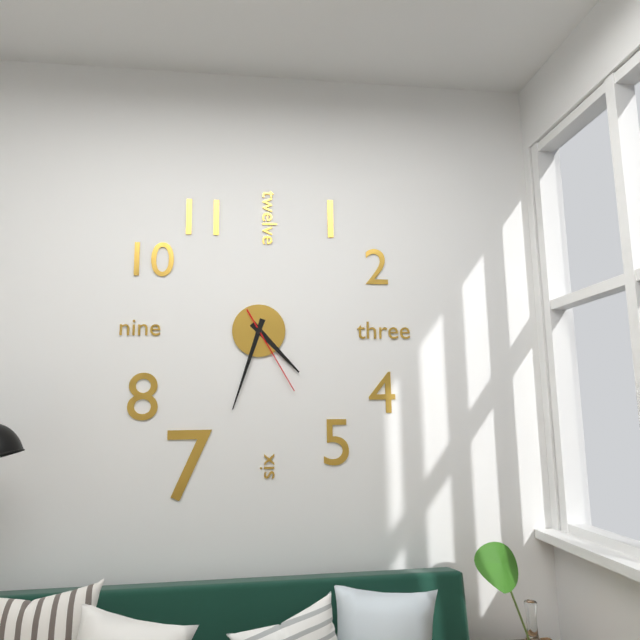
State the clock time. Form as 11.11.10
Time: 4.33.25
